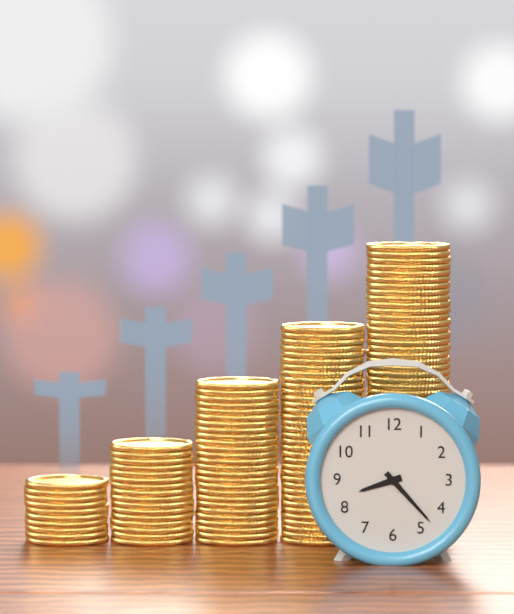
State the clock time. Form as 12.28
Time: 8.23
